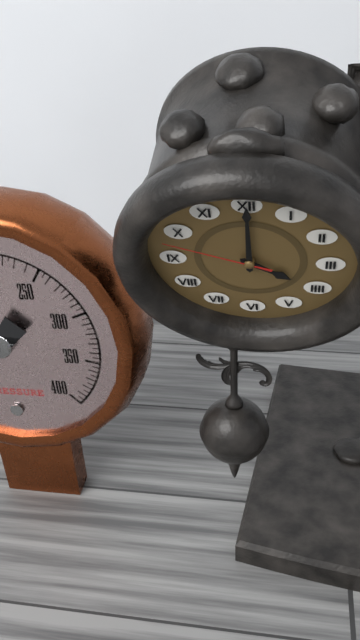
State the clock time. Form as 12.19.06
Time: 4.00.48
